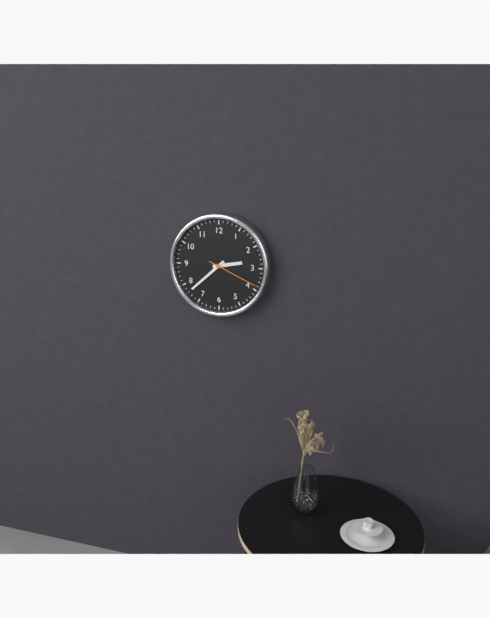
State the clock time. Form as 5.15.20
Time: 2.38.19
